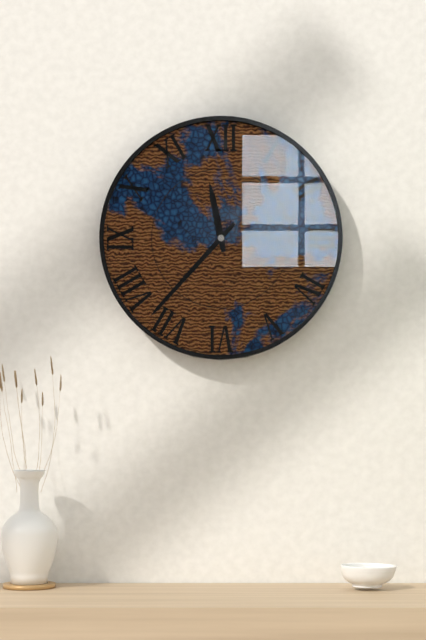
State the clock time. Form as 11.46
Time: 11.37
